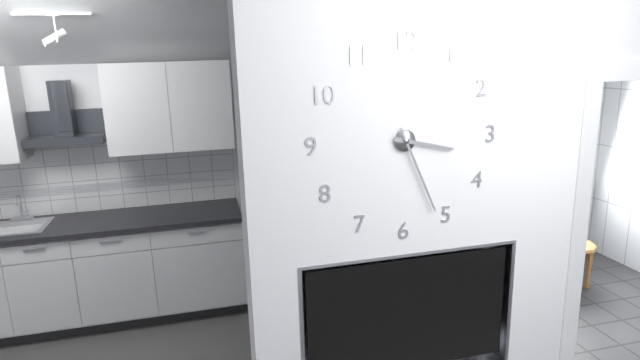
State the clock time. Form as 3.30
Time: 3.26
